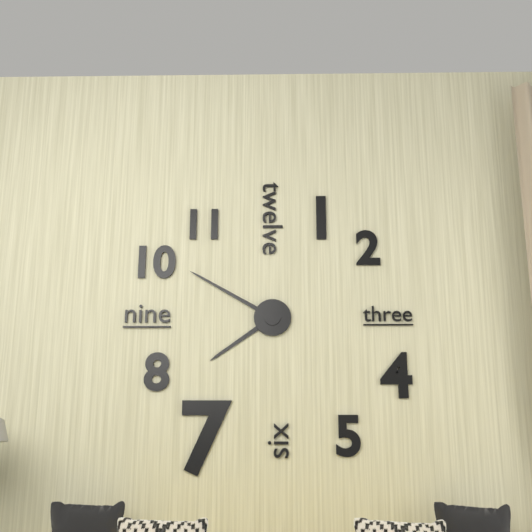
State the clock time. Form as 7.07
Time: 7.50
